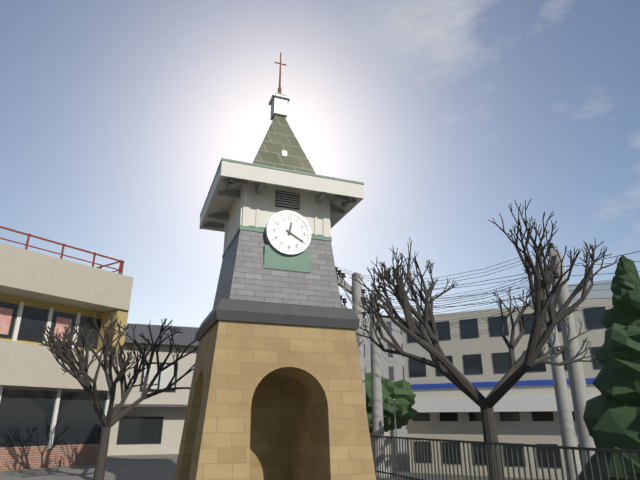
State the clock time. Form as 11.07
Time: 12.20
